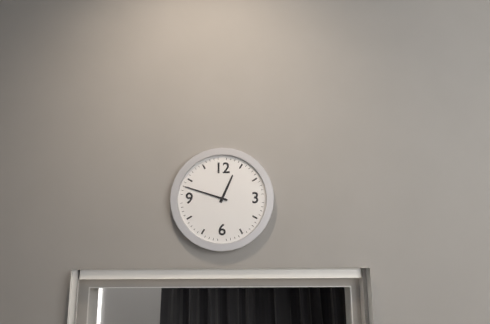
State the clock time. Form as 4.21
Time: 12.48
